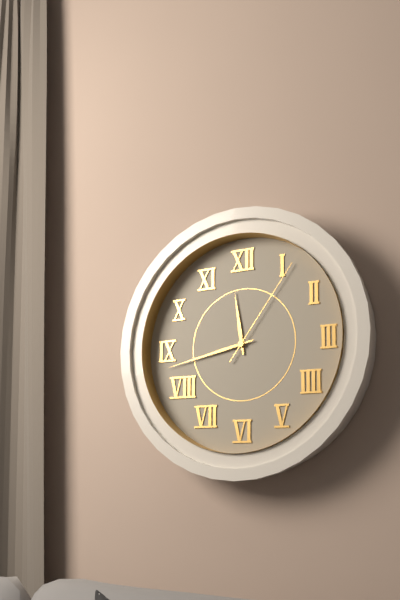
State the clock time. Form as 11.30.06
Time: 11.43.06
